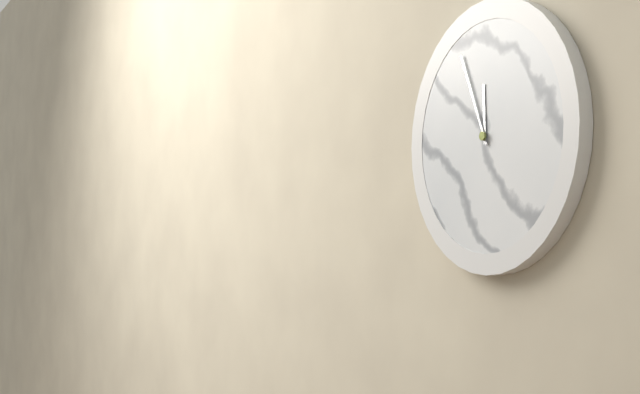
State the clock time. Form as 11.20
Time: 11.56
